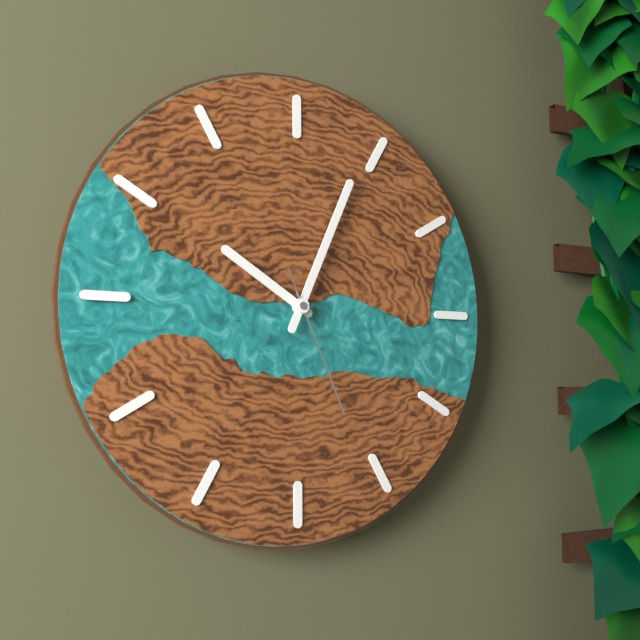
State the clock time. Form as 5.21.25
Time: 10.04.26
